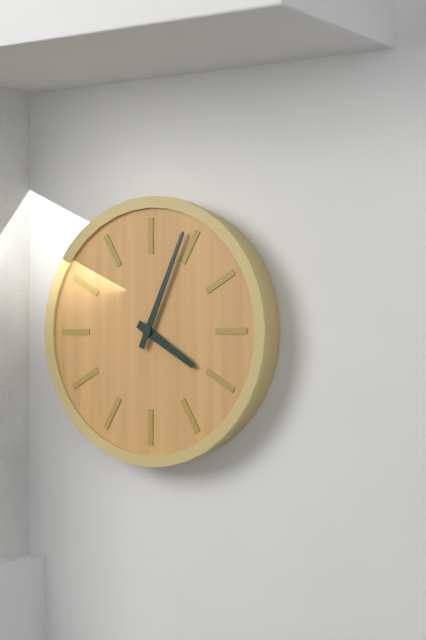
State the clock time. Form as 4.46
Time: 4.04
